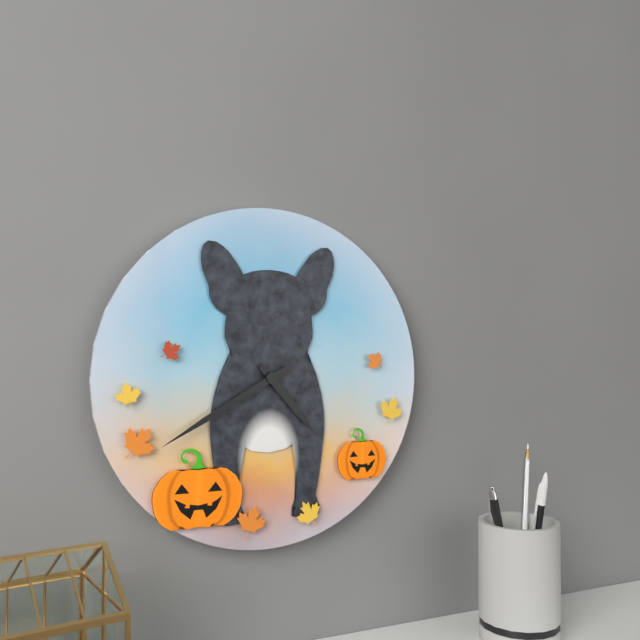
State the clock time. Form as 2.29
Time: 4.40
